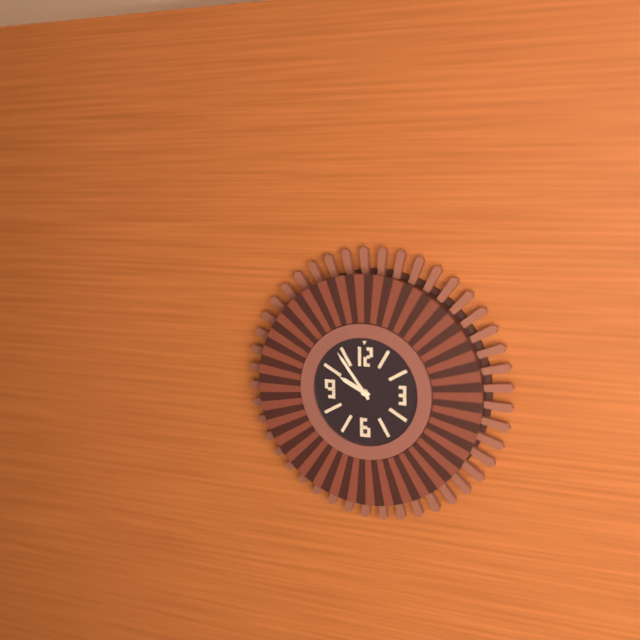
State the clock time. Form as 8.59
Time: 9.54
